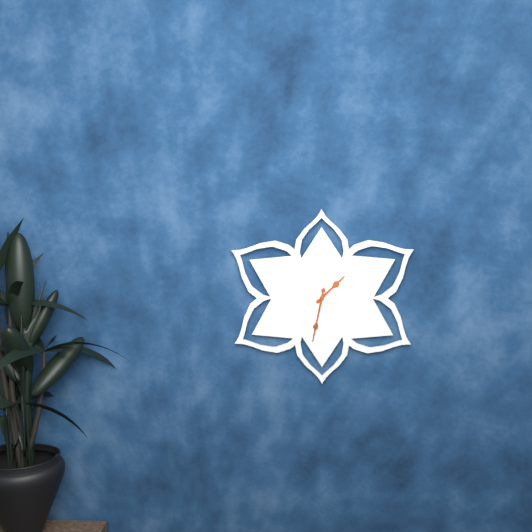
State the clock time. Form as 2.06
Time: 1.32
